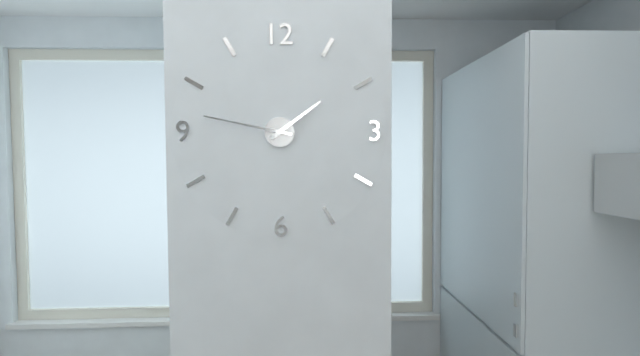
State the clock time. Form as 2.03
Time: 1.47
